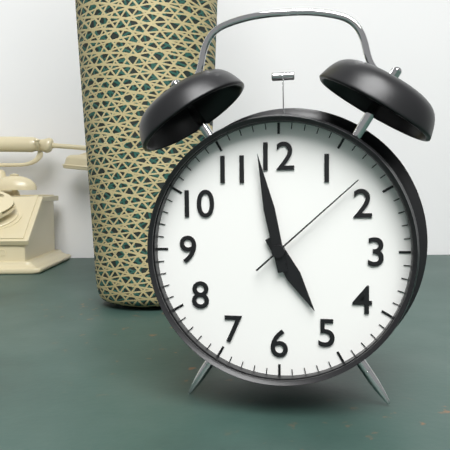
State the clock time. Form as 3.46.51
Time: 4.58.08
